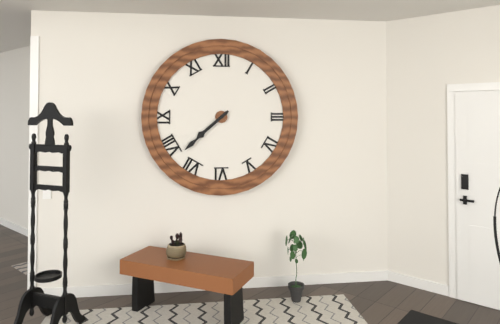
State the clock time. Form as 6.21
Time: 7.38
